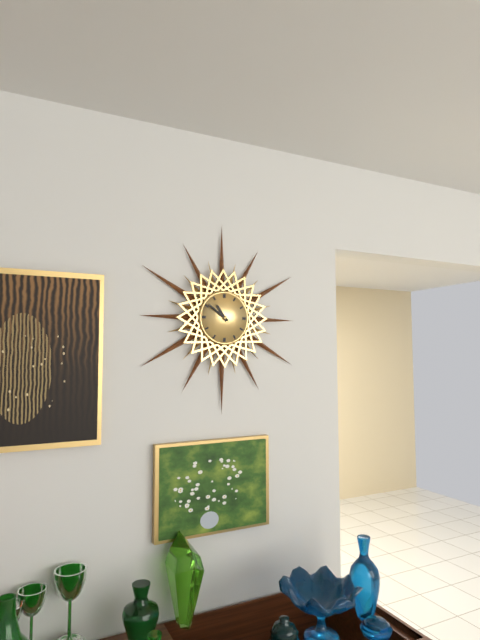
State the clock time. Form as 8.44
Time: 10.51
